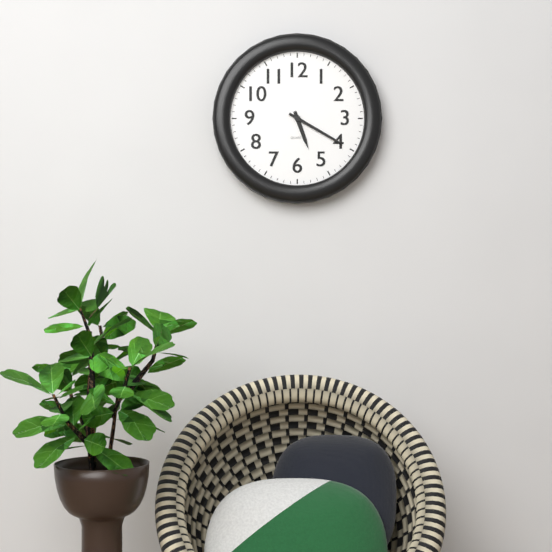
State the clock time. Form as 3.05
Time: 5.20
